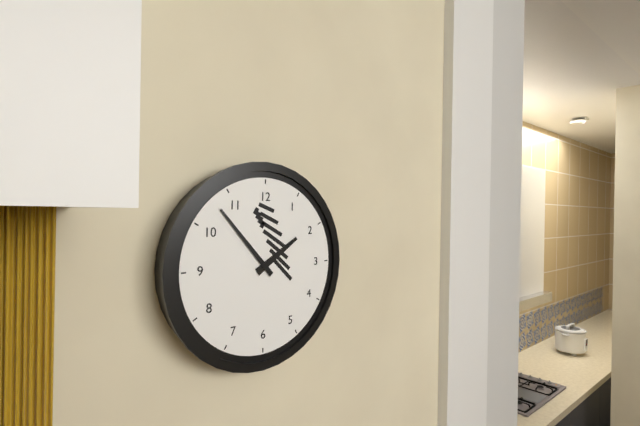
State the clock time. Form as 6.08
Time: 1.53
